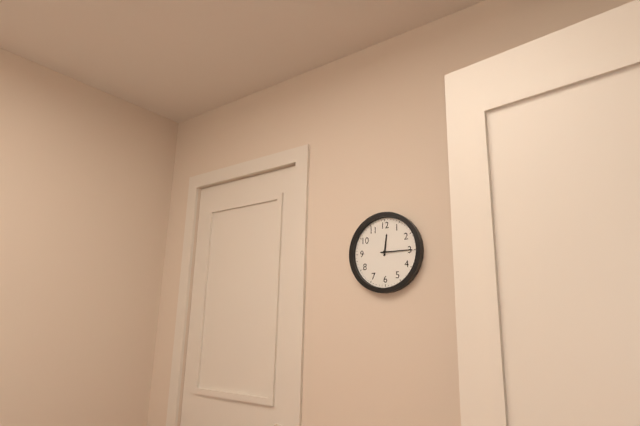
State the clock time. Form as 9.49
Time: 12.15
